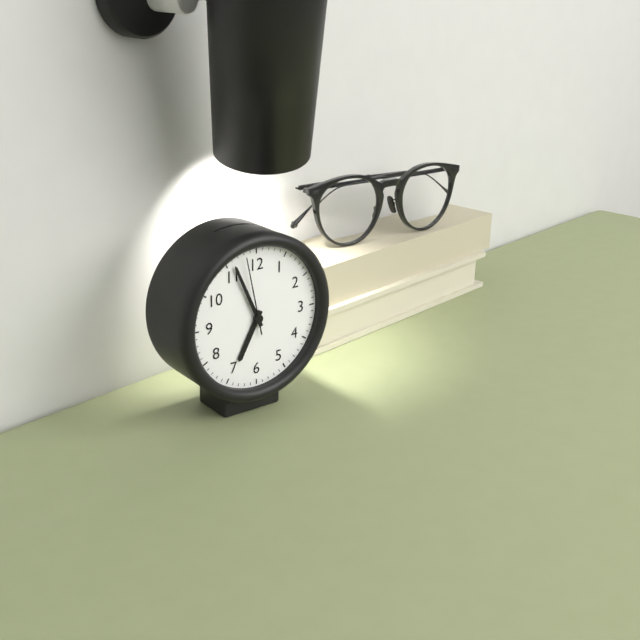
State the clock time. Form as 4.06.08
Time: 6.56.58
